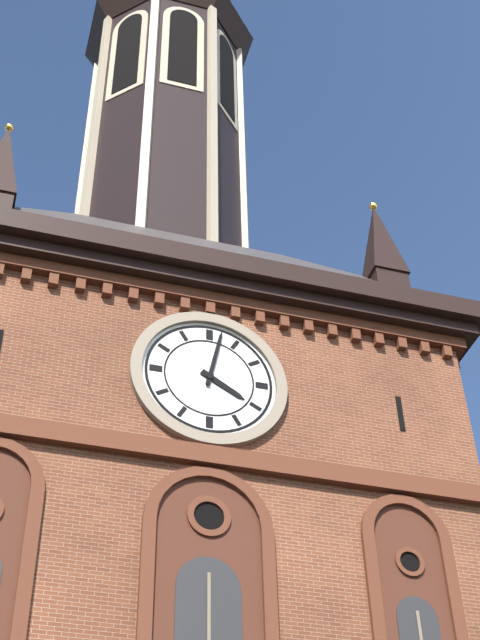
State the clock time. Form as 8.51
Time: 4.02
